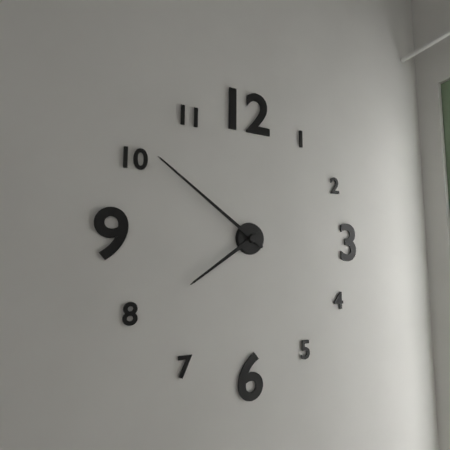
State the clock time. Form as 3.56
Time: 7.51
